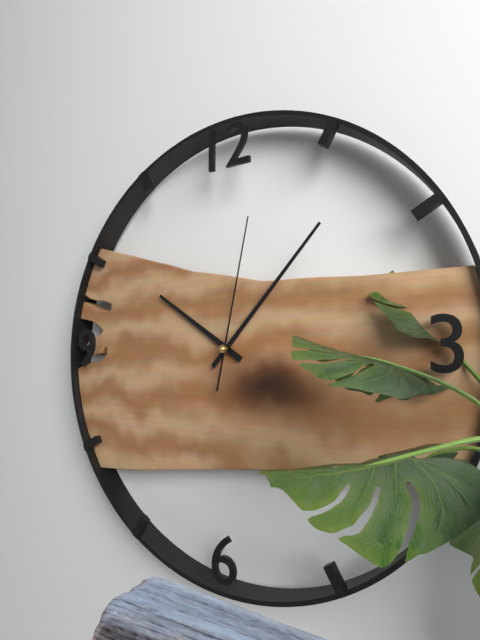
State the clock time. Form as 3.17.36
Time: 10.07.02
